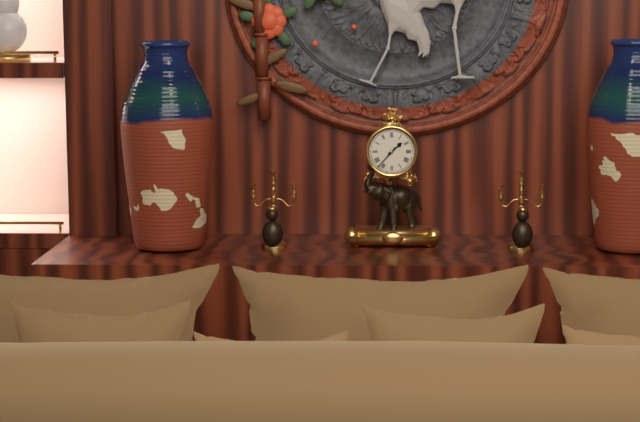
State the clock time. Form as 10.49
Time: 1.37
